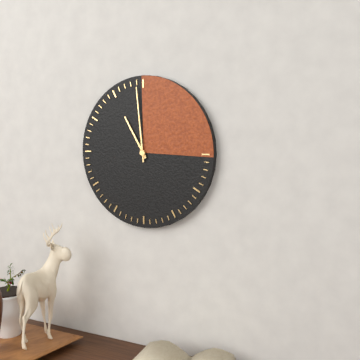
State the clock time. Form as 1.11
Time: 10.59
